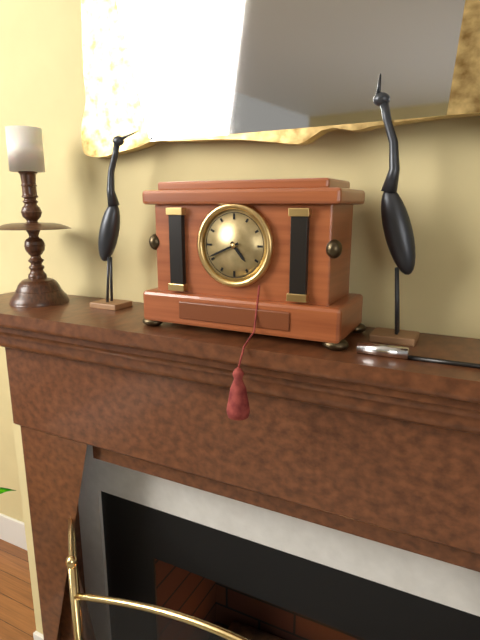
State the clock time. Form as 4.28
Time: 4.41
